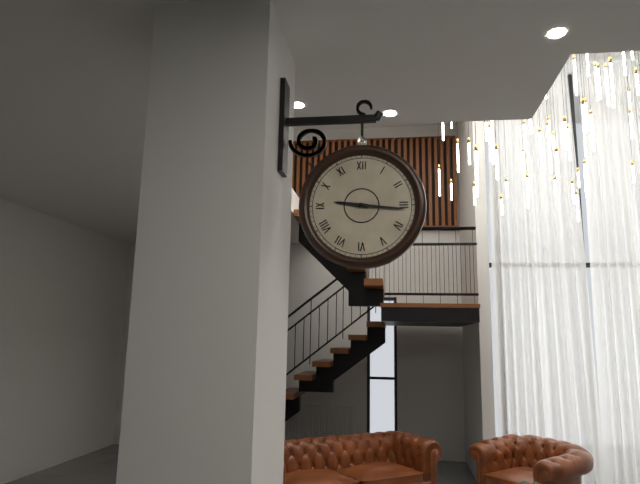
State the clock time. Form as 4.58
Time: 9.16
